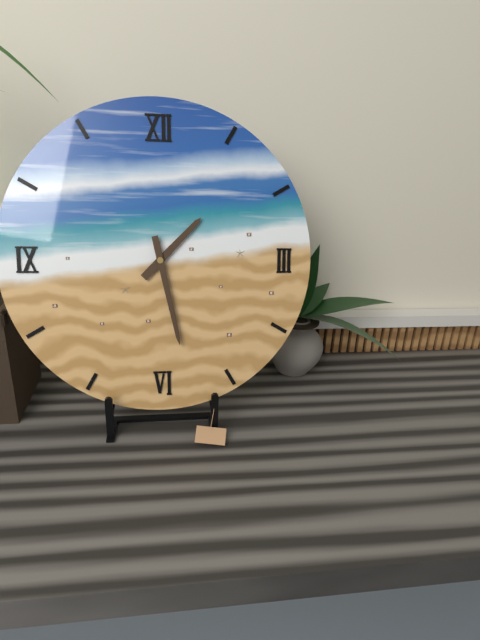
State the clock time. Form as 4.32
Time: 1.28
